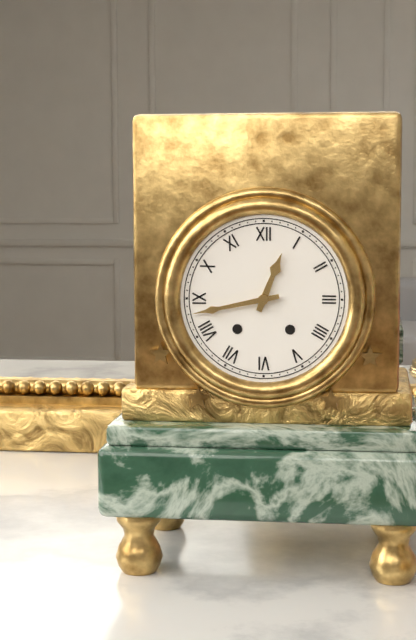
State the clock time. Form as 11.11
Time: 12.43
